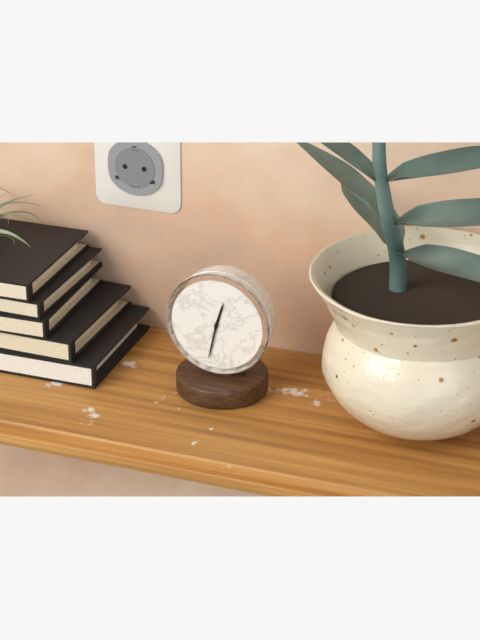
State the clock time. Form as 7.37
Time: 12.32
